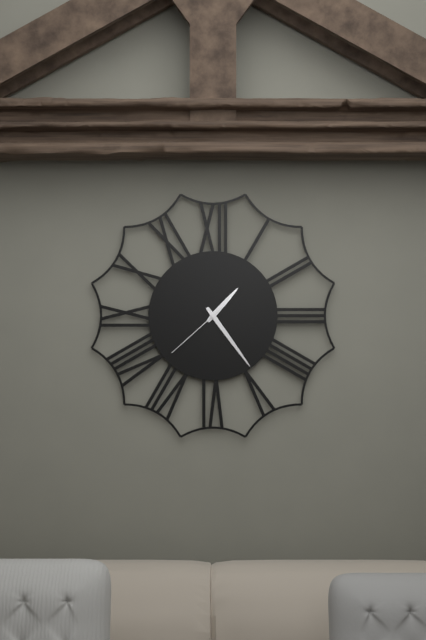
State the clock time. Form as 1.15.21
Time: 1.24.38
